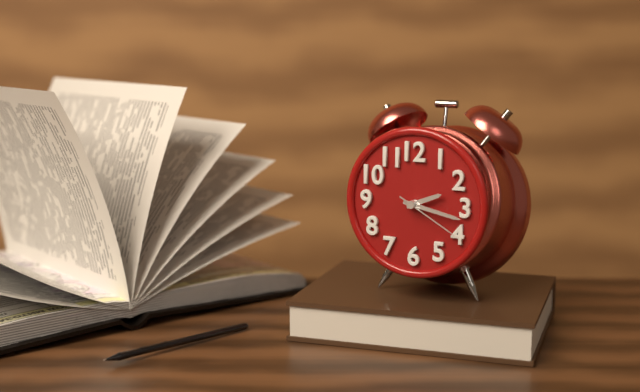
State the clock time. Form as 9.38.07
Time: 2.17.20
